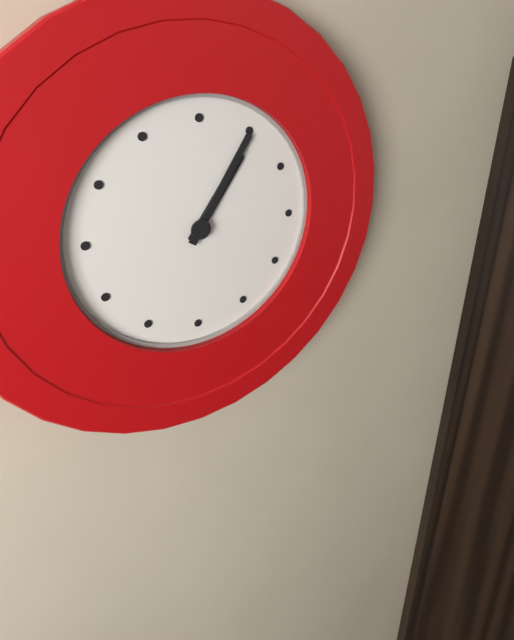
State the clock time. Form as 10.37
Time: 1.05
